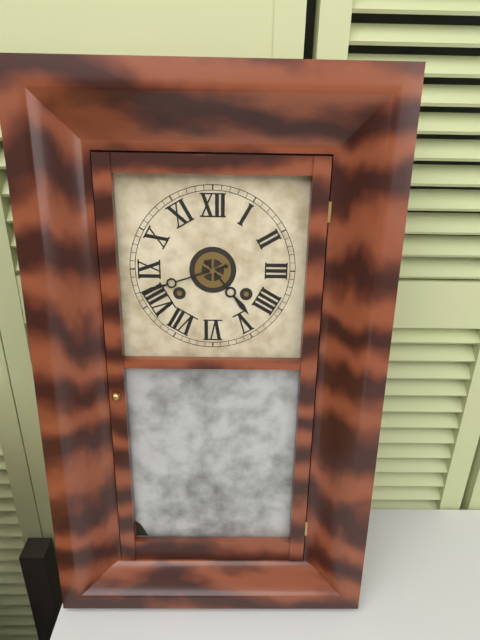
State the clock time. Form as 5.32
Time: 4.42
